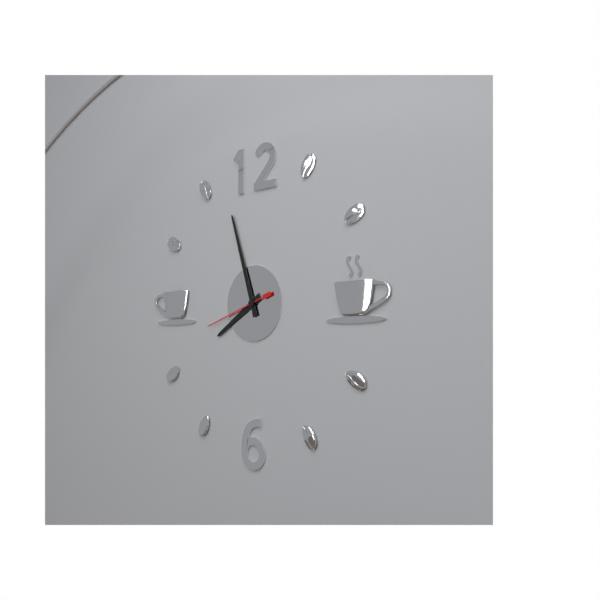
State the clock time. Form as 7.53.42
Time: 7.57.42
